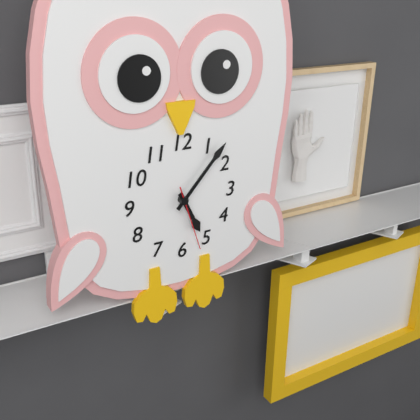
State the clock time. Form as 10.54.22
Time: 5.07.27
